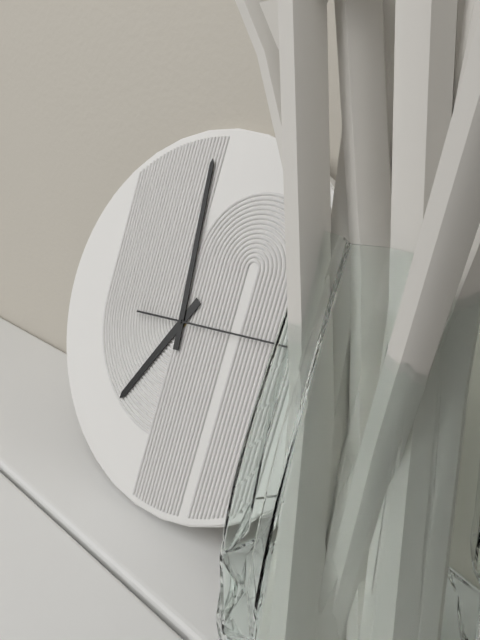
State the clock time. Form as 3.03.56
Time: 6.59.14
